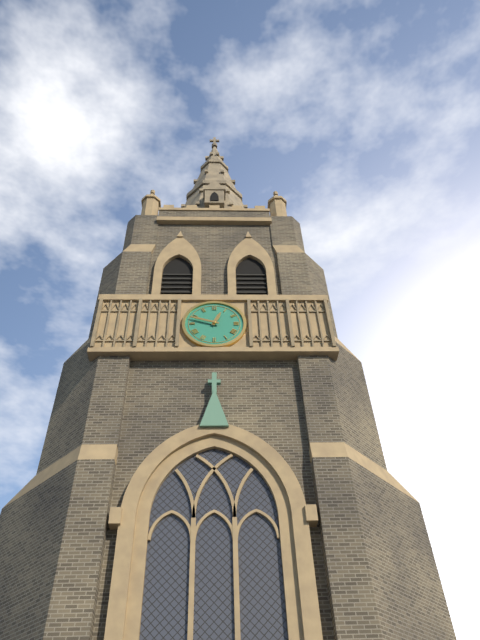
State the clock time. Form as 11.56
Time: 12.48
